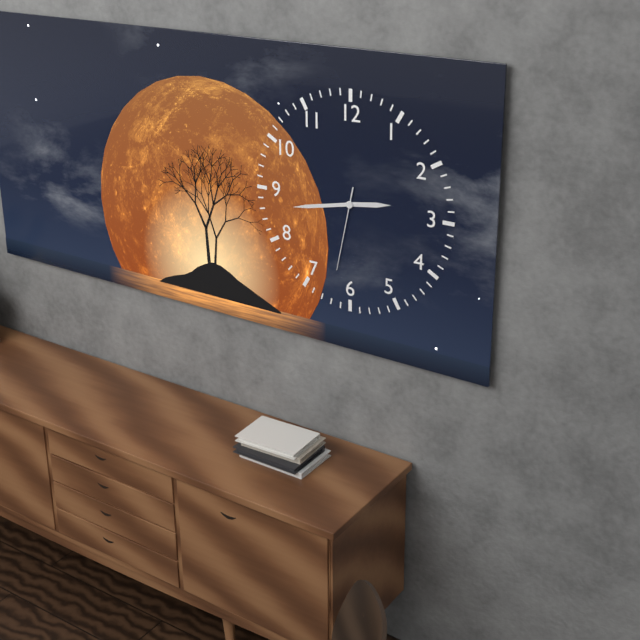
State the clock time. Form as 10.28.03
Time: 2.43.32
